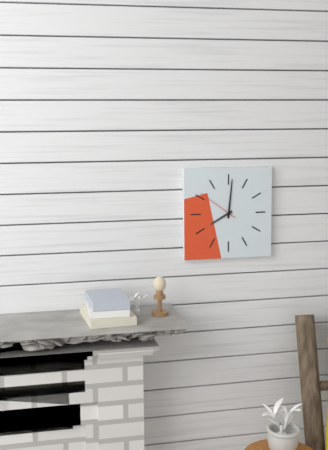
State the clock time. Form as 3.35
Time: 8.01
